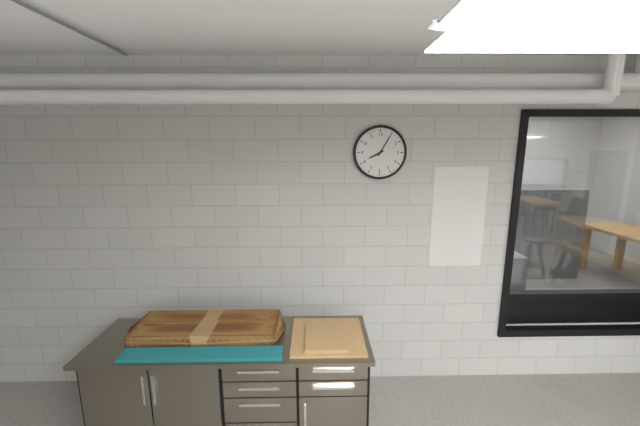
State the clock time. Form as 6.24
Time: 8.05
